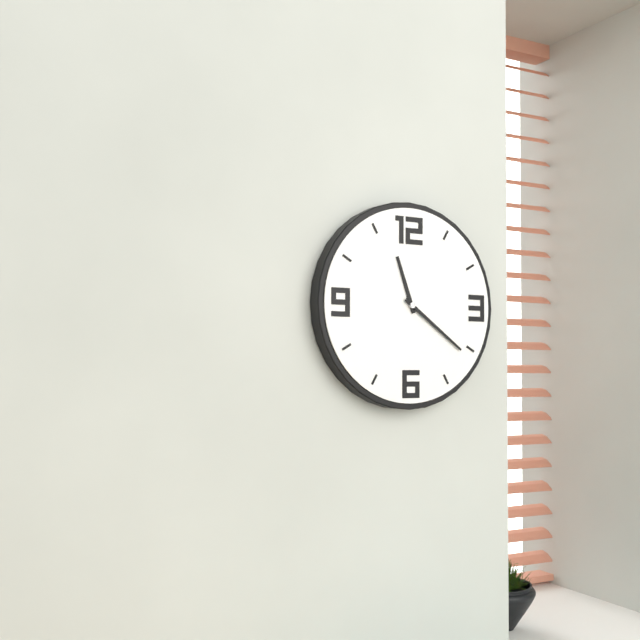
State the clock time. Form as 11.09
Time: 11.21
